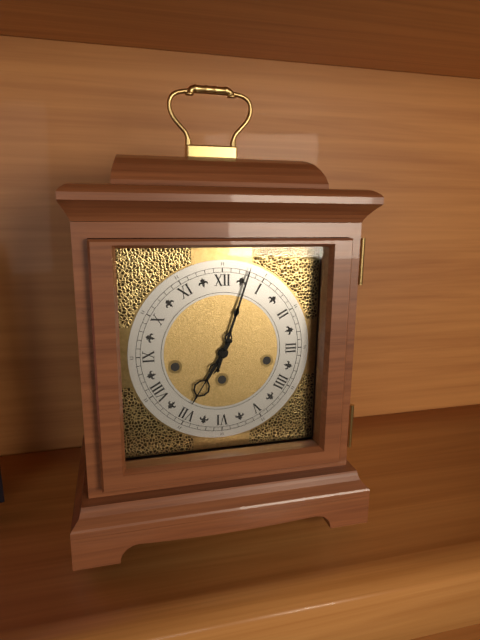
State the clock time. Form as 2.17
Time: 7.03
